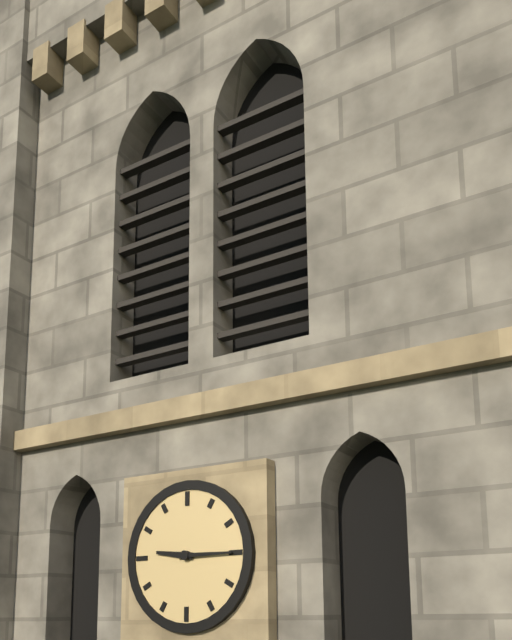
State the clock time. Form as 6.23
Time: 9.15
